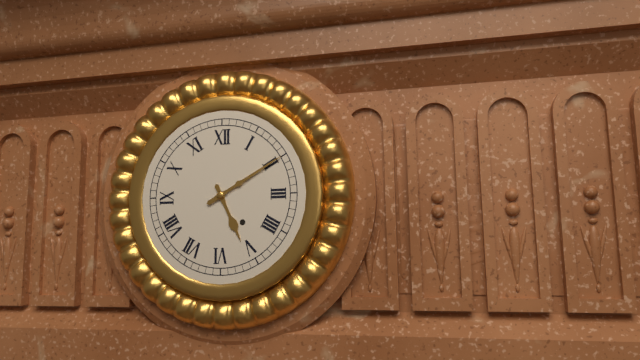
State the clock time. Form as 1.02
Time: 5.10
